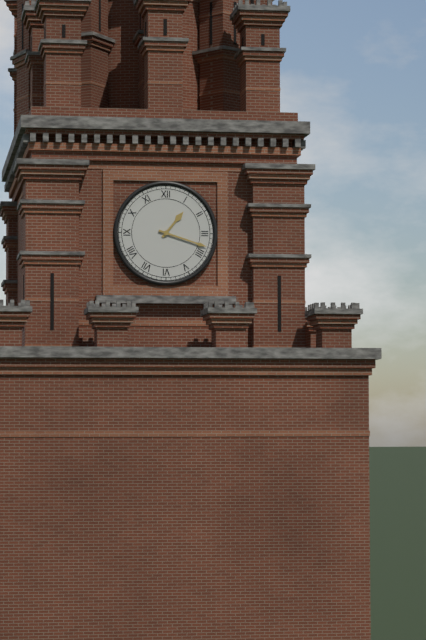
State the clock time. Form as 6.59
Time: 1.18
